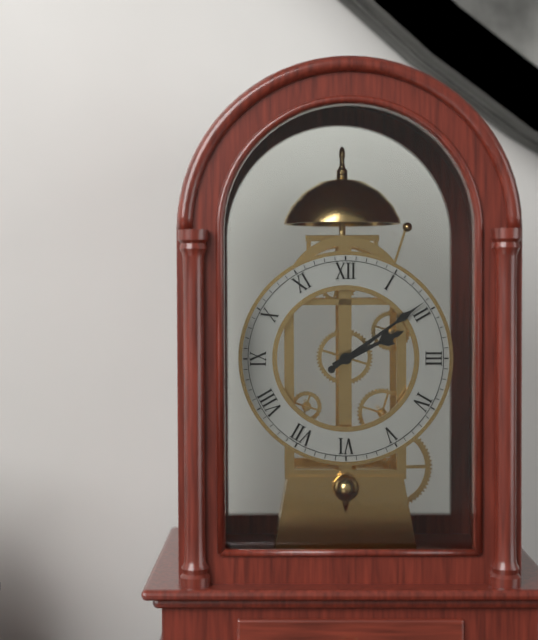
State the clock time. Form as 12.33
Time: 2.09
